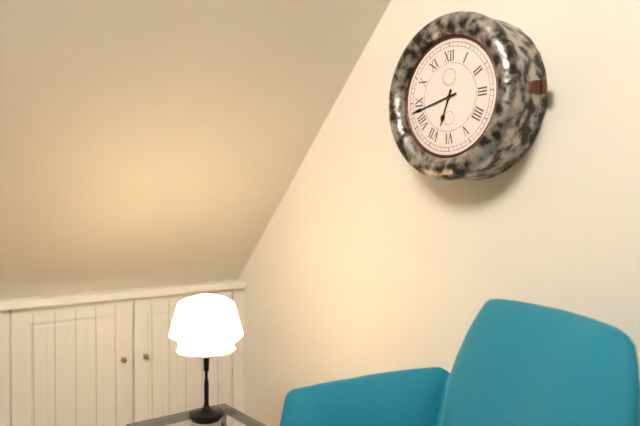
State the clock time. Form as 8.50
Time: 6.43
